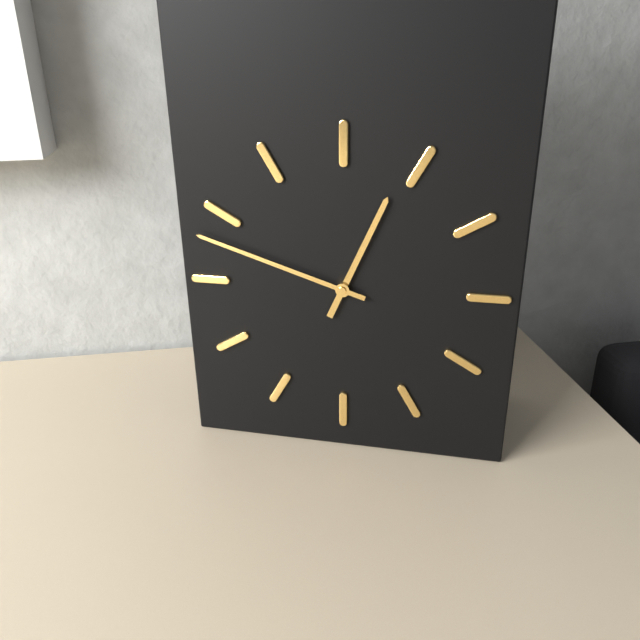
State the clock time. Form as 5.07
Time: 12.48
